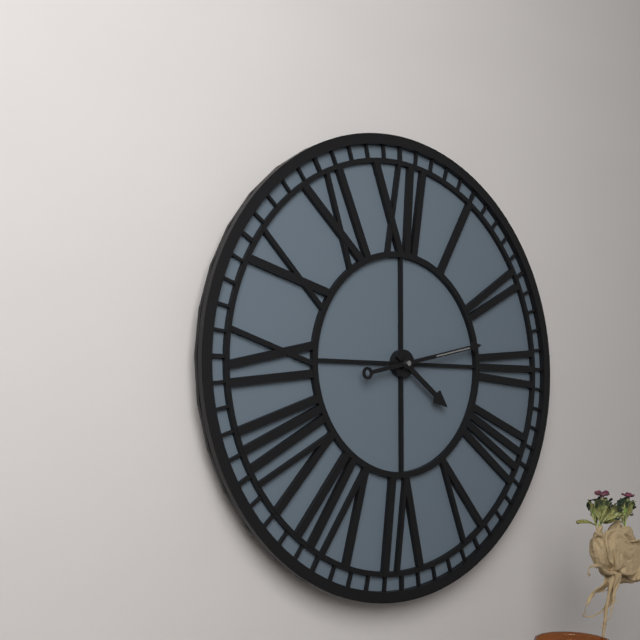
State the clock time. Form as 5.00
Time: 4.13
